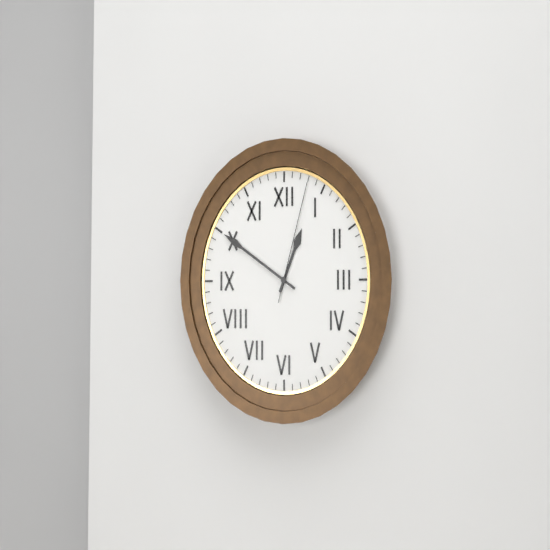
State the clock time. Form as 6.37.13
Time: 12.50.03
